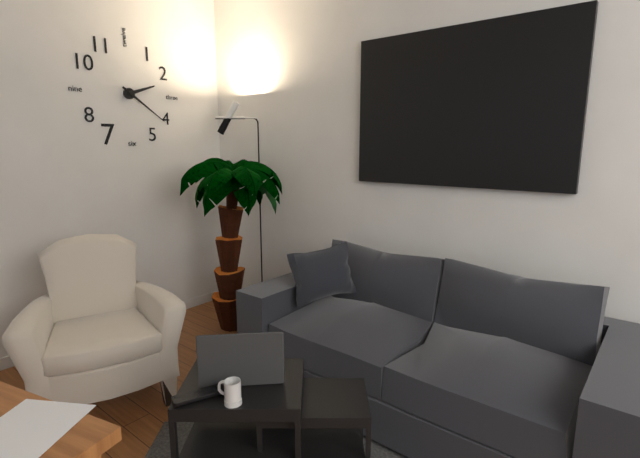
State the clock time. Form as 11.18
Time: 2.21
